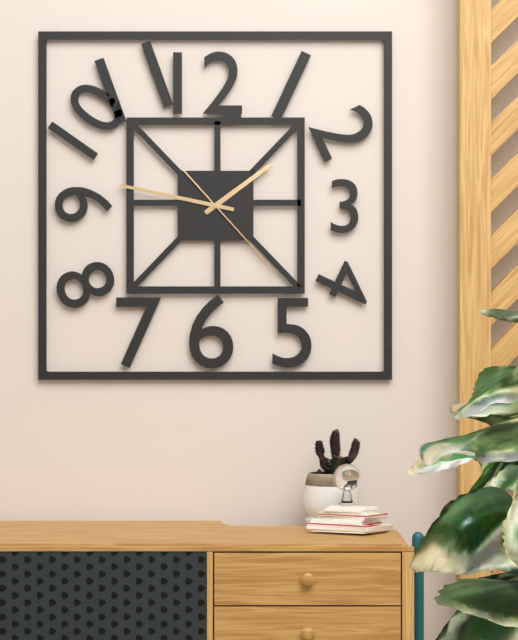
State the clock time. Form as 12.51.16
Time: 1.47.23
